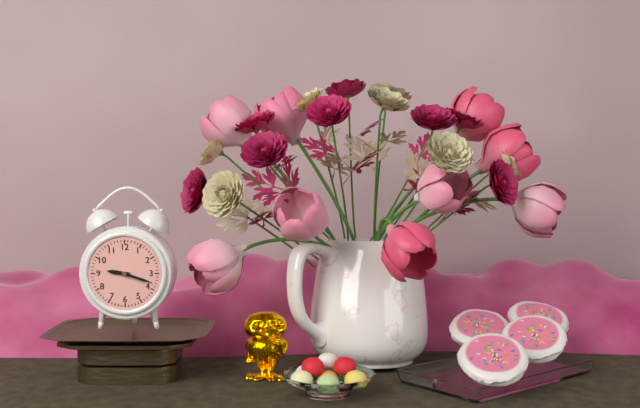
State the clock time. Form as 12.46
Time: 9.18
